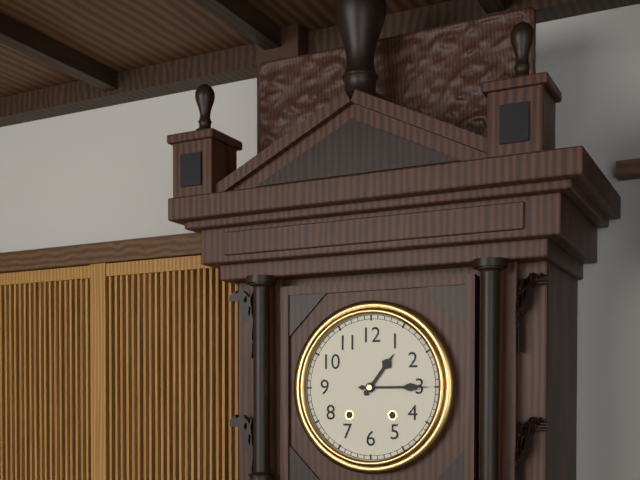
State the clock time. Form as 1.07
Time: 1.15
